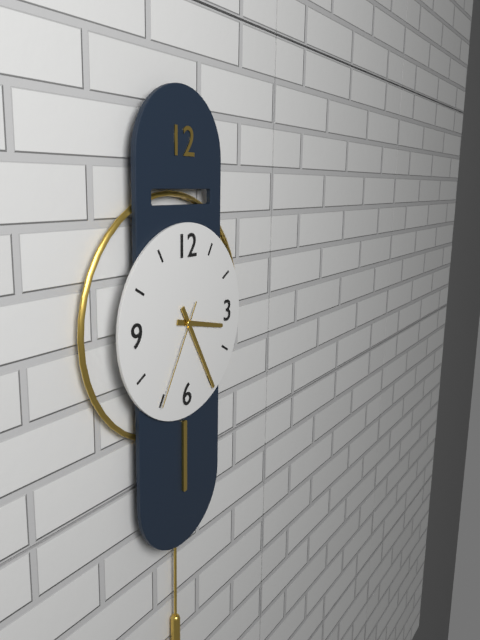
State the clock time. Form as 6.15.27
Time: 3.25.35
